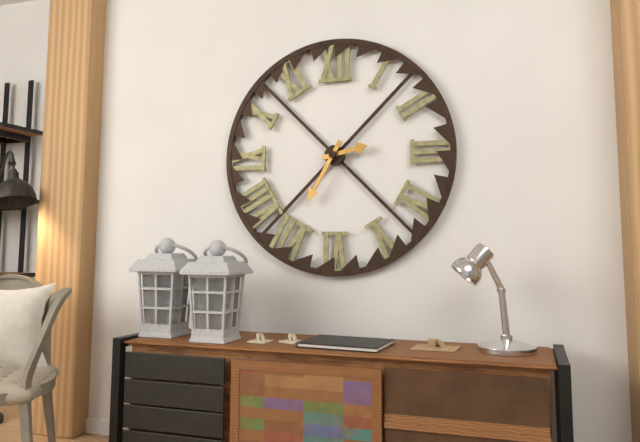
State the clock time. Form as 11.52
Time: 2.35
